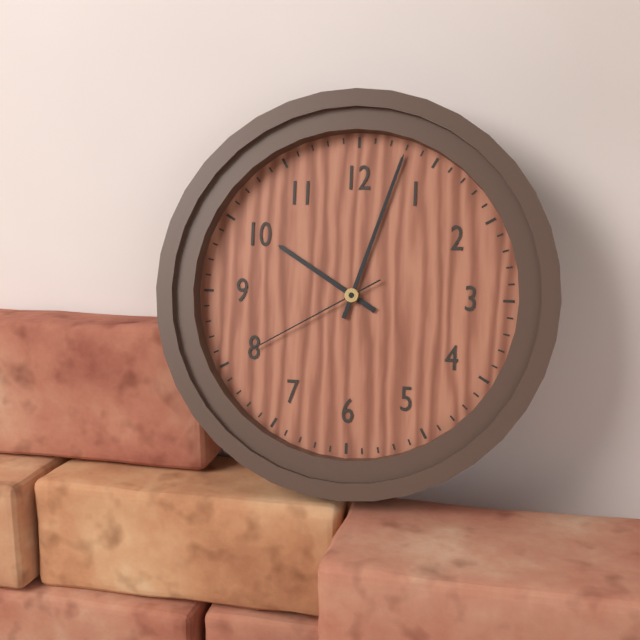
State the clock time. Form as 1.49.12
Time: 10.03.40
